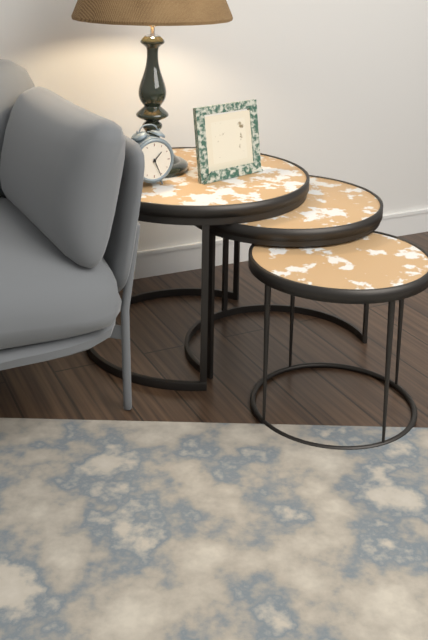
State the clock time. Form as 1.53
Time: 1.26
